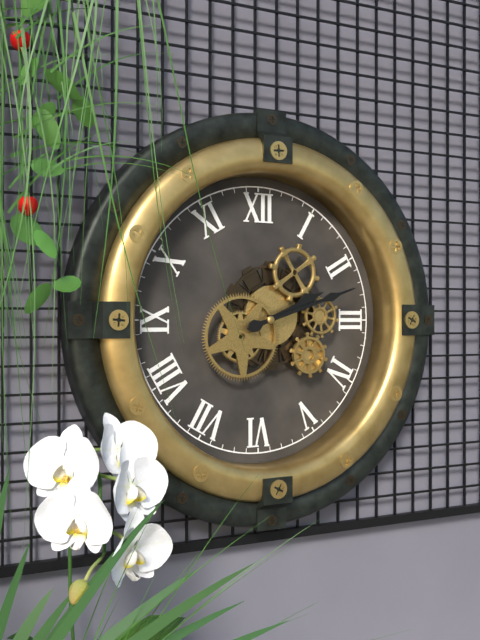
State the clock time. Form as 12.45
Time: 2.12
